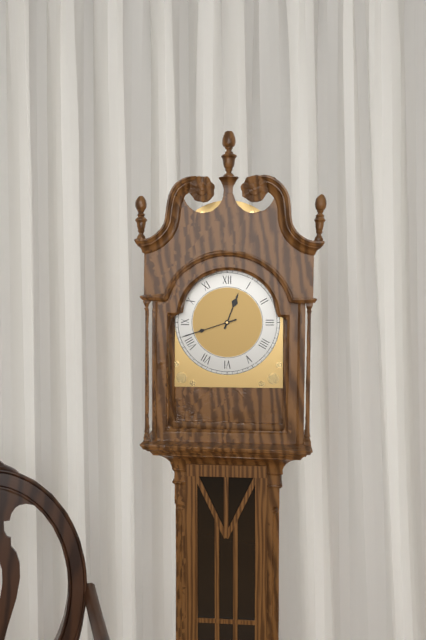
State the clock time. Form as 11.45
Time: 12.42
